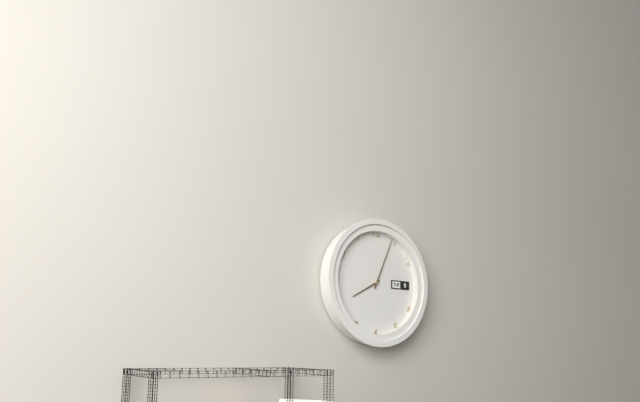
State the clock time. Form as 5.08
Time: 8.04
